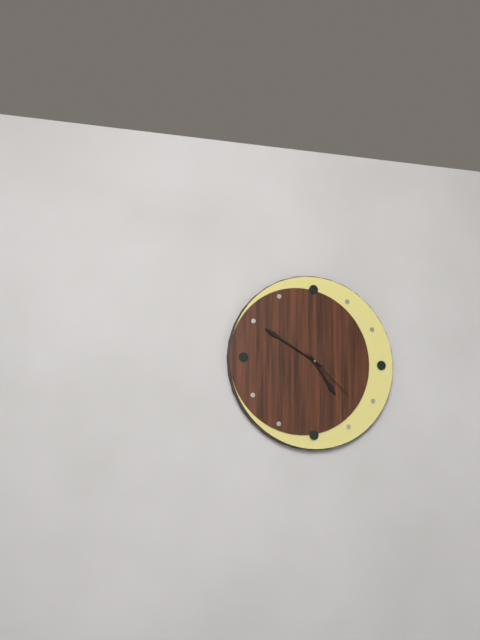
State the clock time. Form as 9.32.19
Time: 4.50.22
